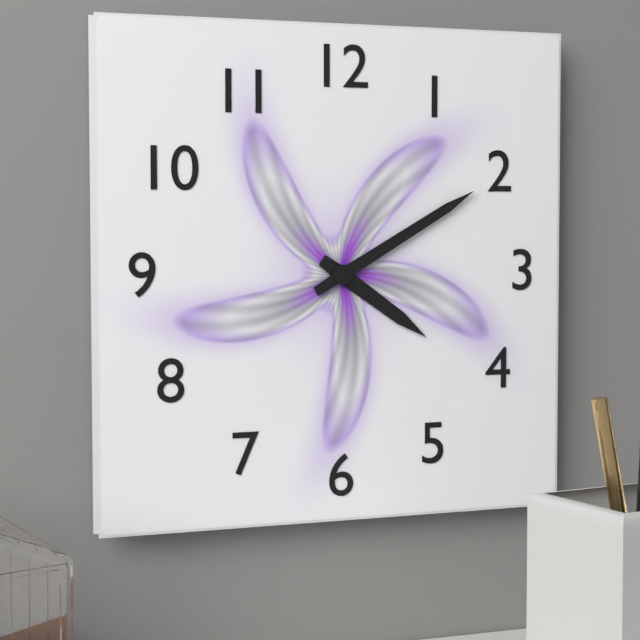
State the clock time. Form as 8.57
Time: 4.10
